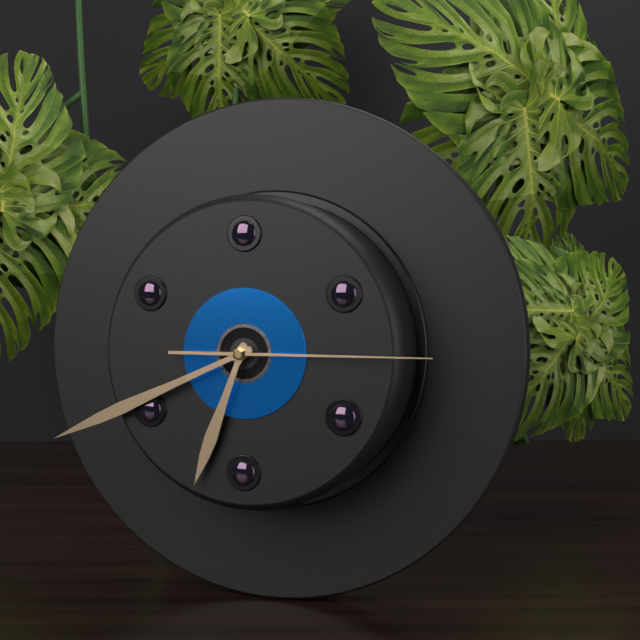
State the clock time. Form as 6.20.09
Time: 6.41.15
